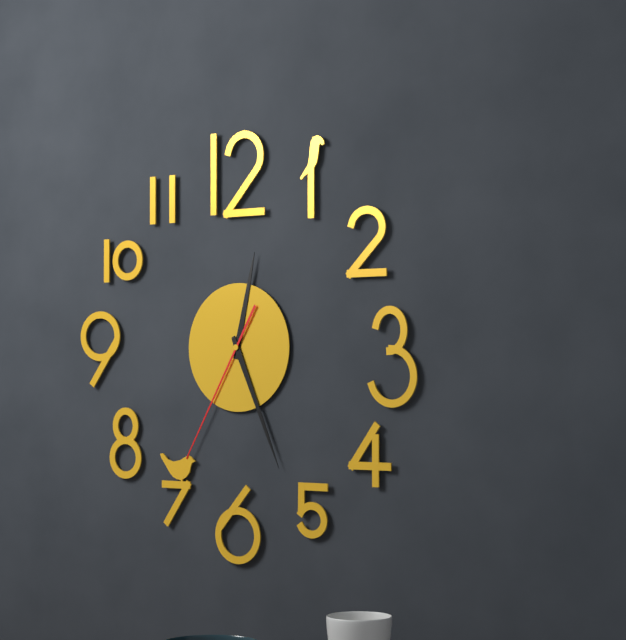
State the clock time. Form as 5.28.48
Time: 12.26.35
